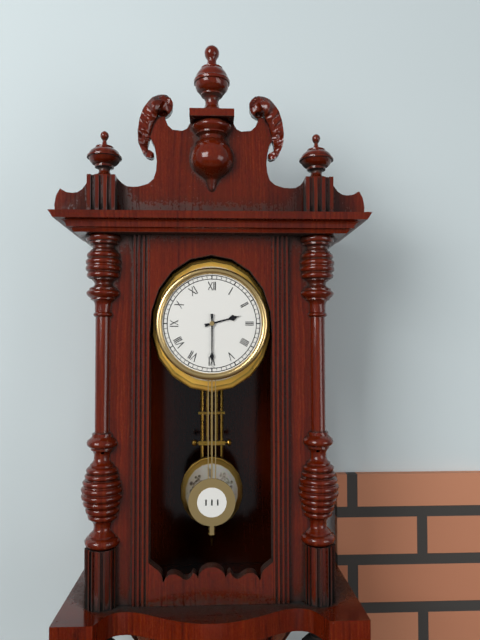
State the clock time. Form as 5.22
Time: 2.30
